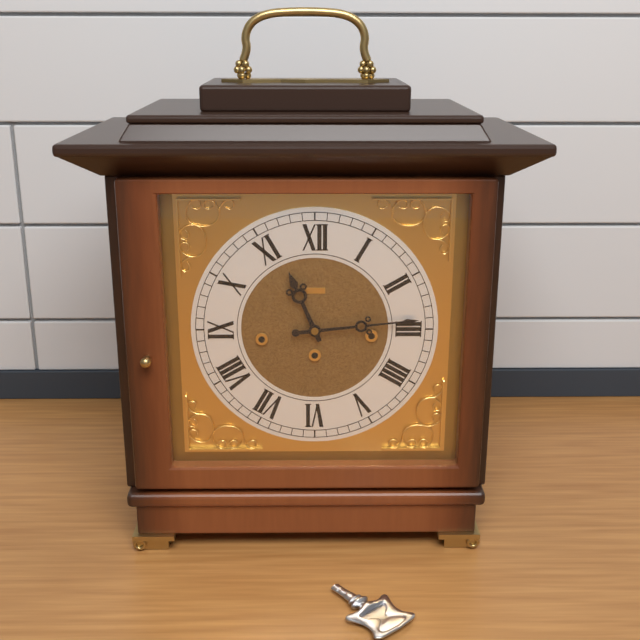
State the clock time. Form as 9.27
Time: 11.14
